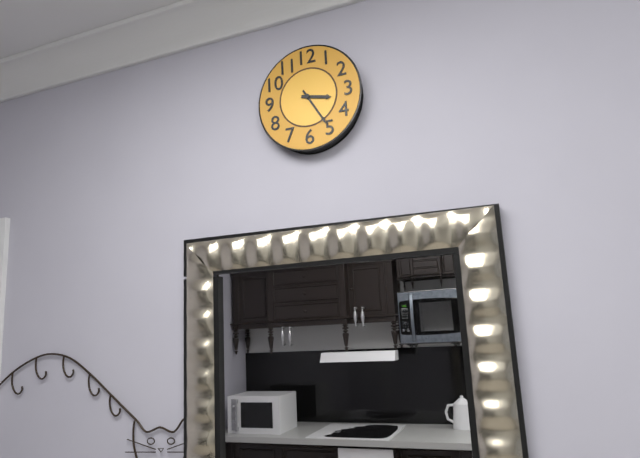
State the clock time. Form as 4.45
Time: 3.25
